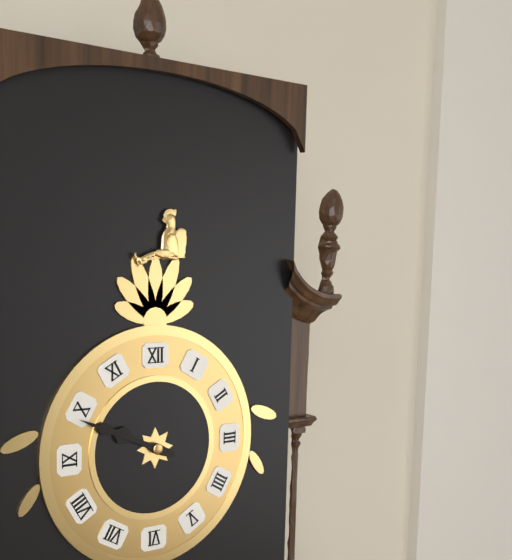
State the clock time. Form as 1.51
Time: 9.49
